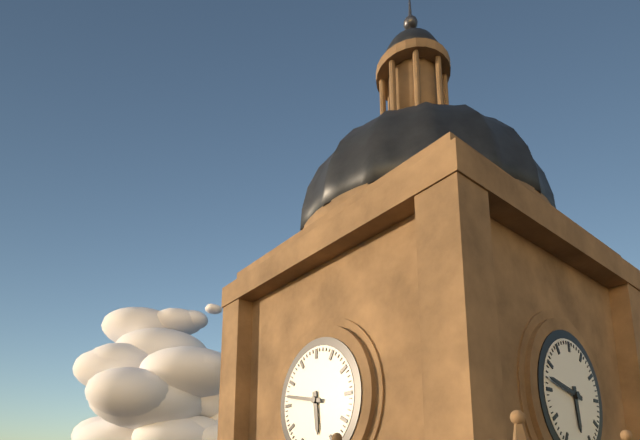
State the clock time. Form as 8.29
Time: 5.47
